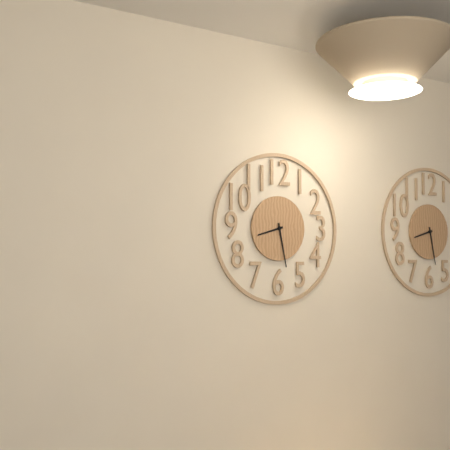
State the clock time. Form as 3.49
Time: 8.28
